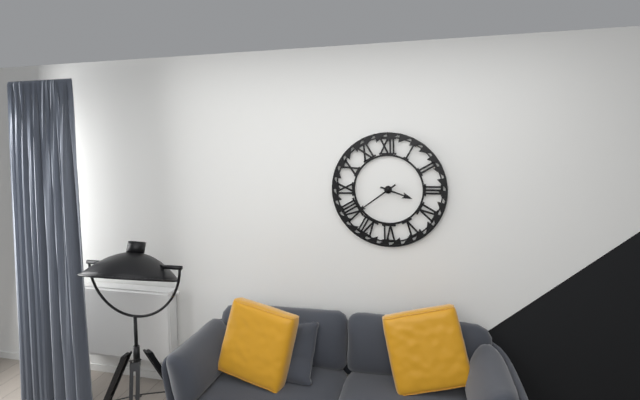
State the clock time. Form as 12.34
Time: 3.39
